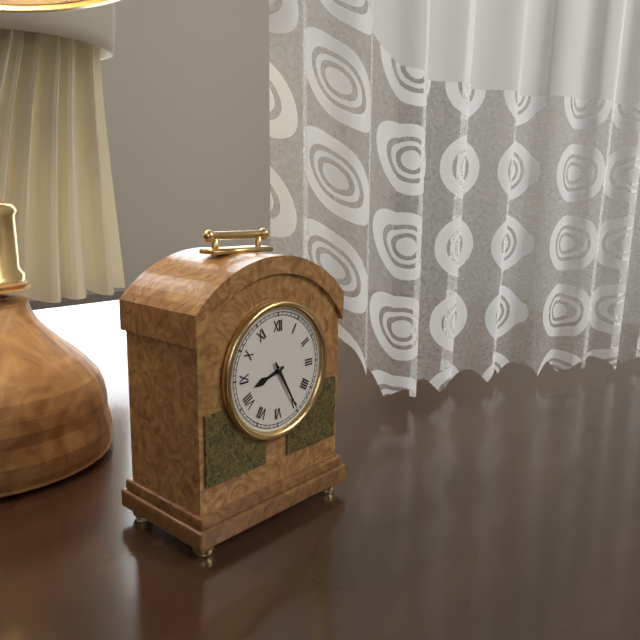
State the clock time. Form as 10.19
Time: 8.25
